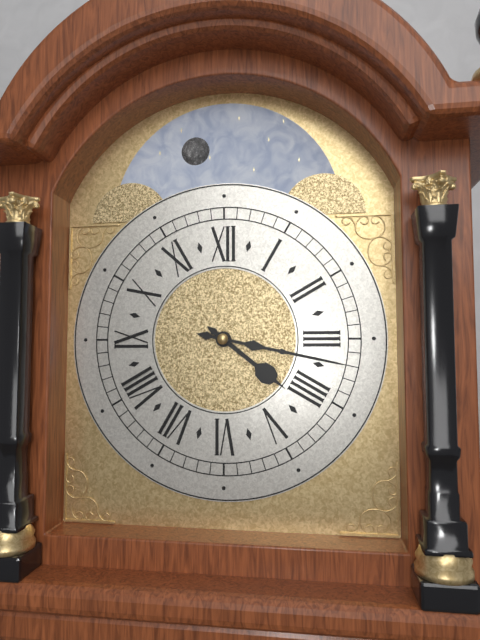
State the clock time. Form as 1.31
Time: 4.17
